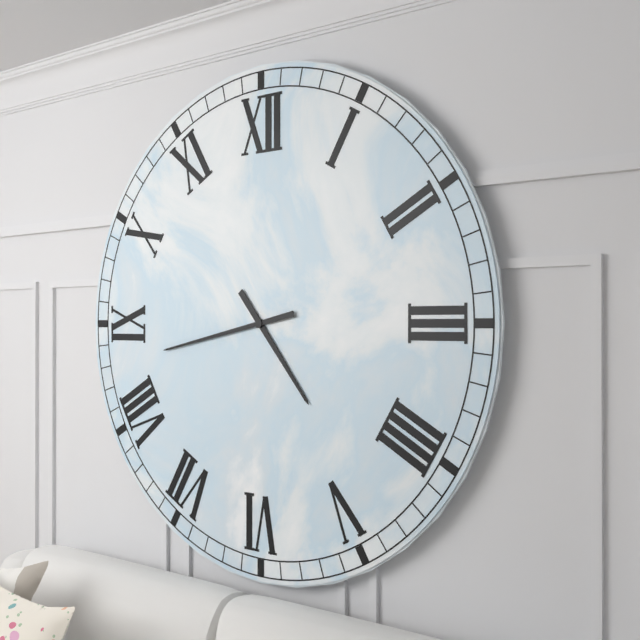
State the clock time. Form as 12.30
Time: 4.43
